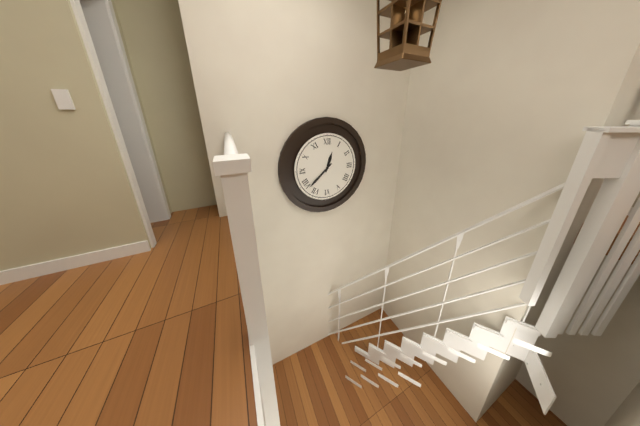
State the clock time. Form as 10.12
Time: 12.38
